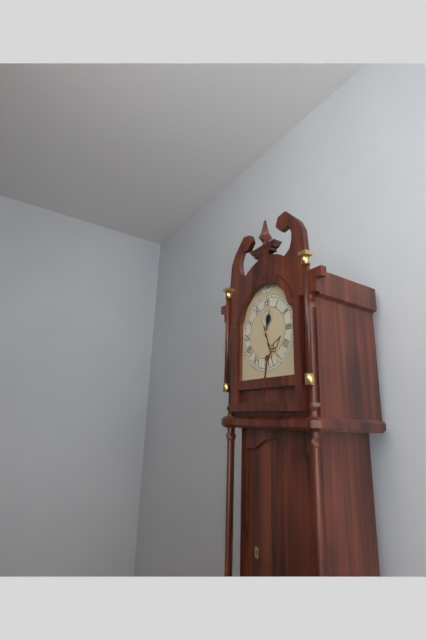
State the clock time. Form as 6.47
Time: 12.27
